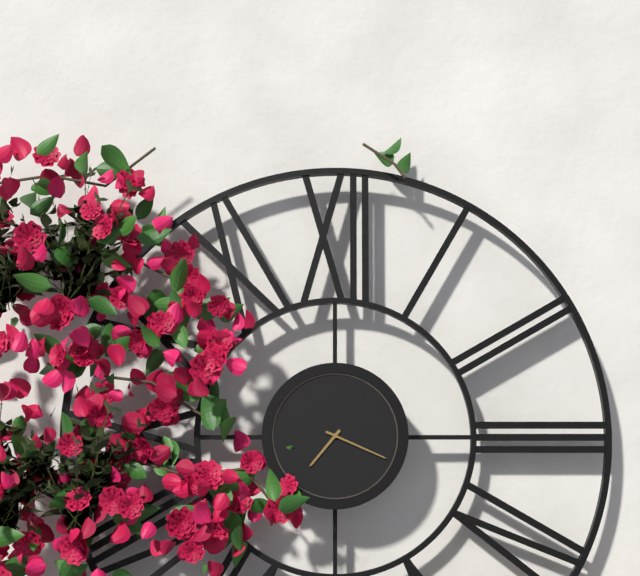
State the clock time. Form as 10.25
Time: 7.19
